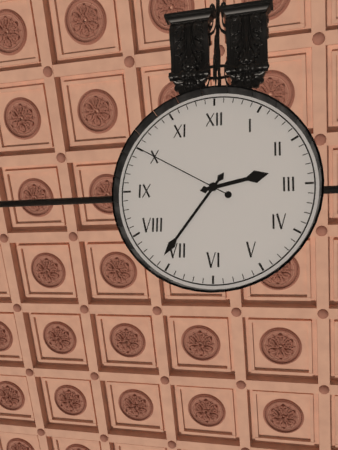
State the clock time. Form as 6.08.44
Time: 2.36.50
